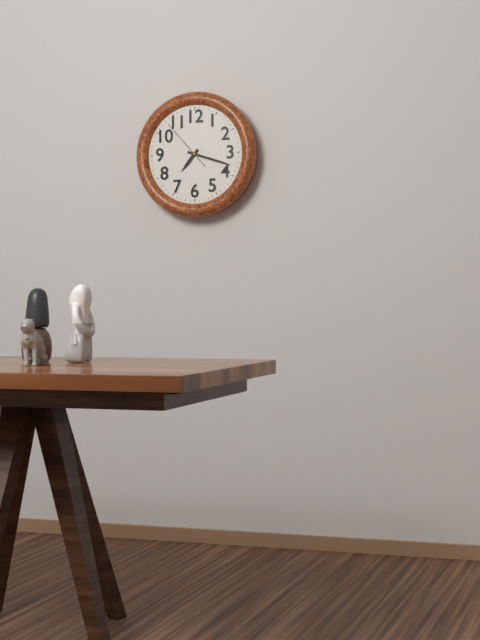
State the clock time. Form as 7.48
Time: 7.18
